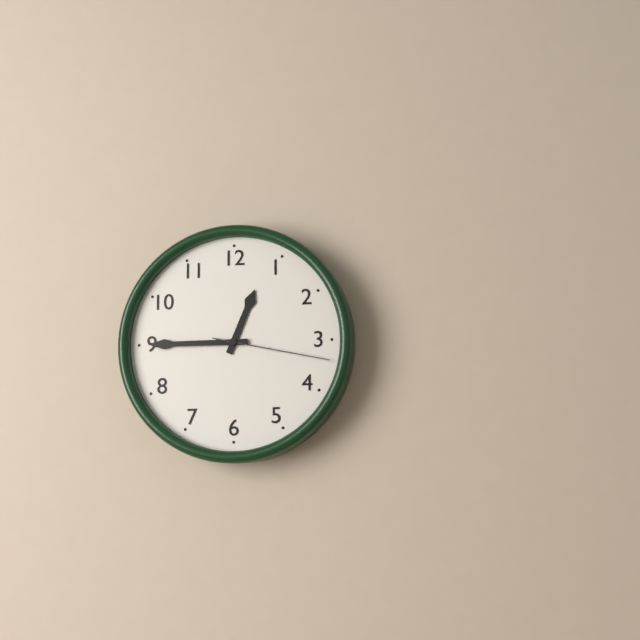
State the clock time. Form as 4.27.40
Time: 12.45.17
